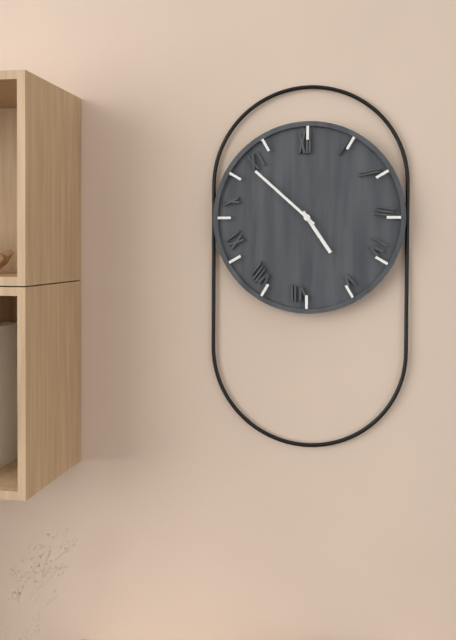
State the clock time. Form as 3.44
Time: 4.52
